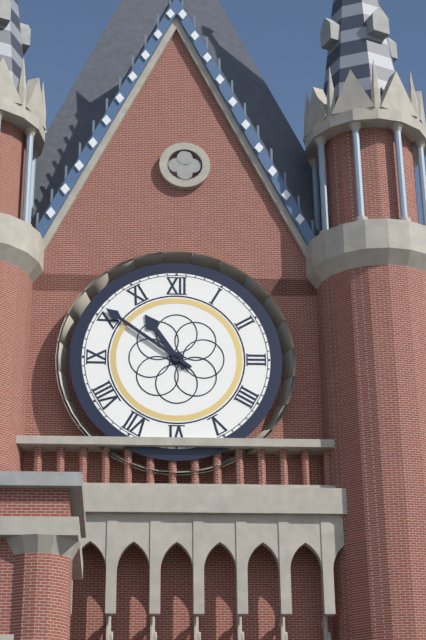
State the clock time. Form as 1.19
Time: 10.51
